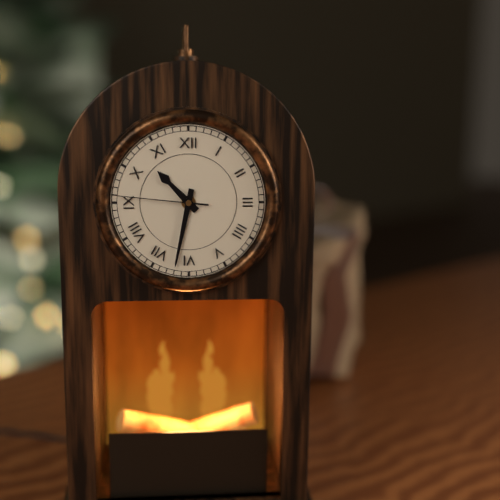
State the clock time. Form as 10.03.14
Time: 10.32.46
